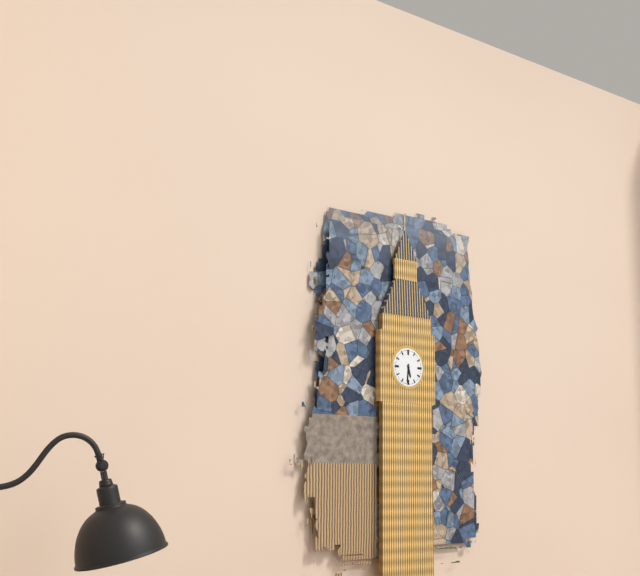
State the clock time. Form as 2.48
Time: 5.31
